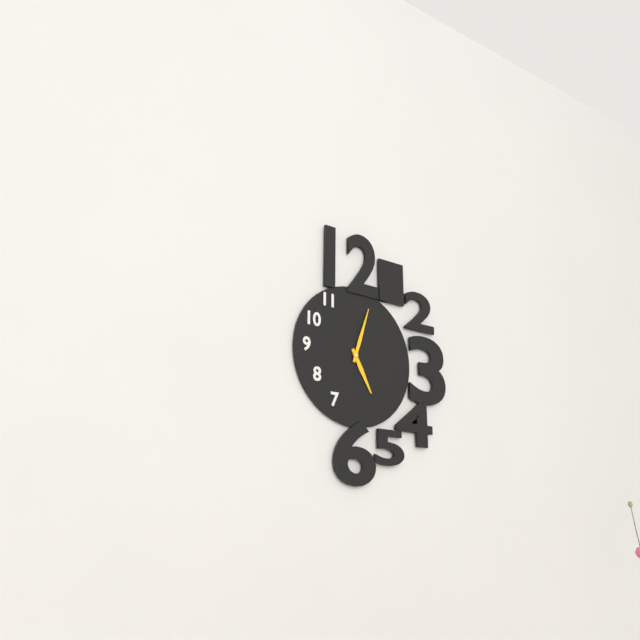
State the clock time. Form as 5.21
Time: 5.03
